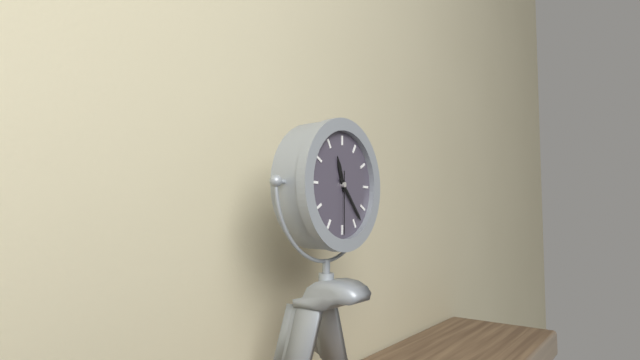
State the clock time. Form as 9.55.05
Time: 11.23.30
